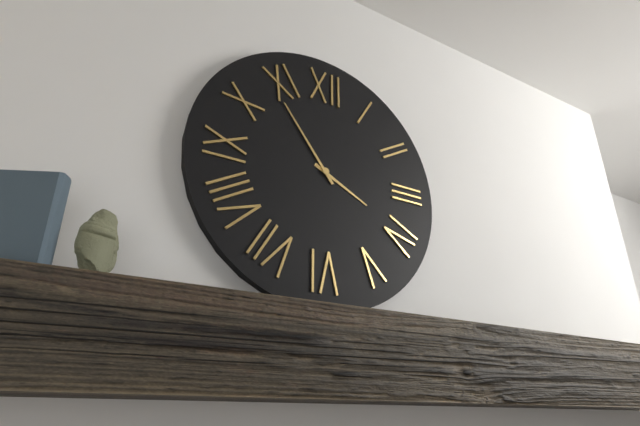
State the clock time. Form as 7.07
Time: 3.54
